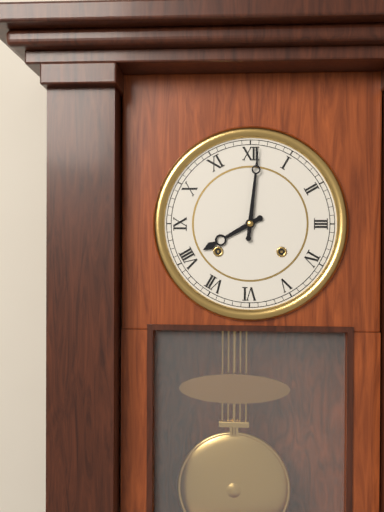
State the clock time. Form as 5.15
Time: 8.01
